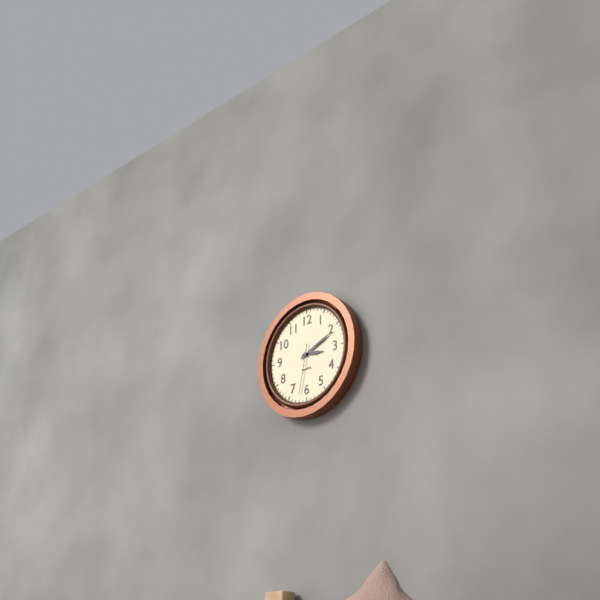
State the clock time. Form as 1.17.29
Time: 3.11.32
